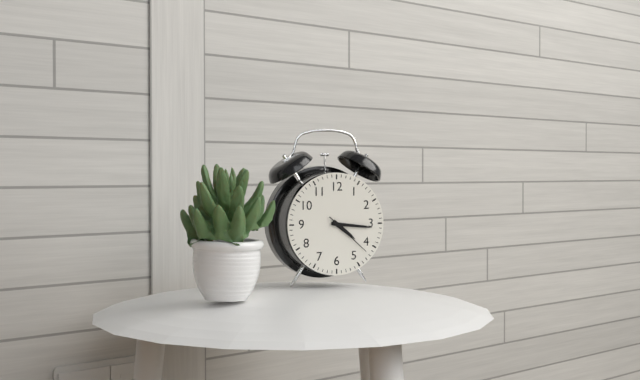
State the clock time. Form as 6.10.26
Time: 4.16.22
